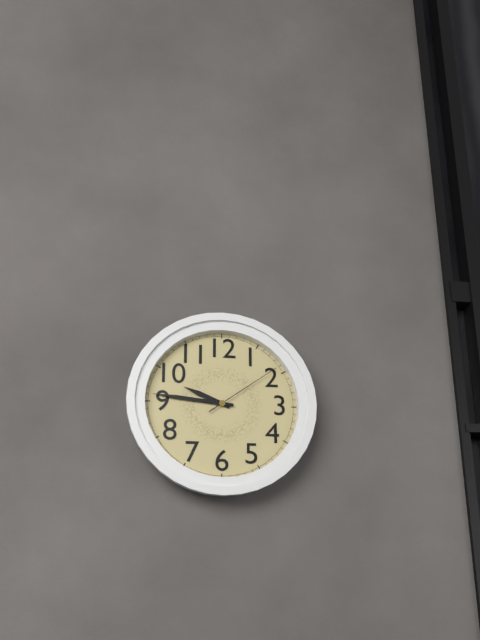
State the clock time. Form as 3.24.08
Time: 9.46.09
